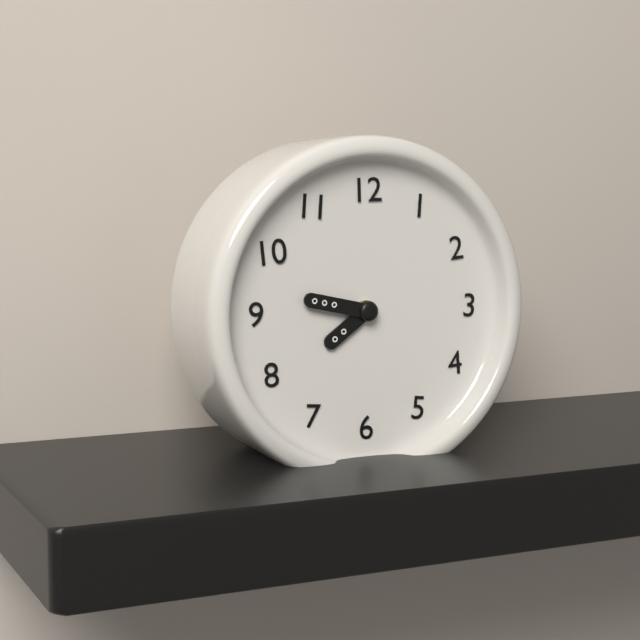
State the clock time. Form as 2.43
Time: 7.47
